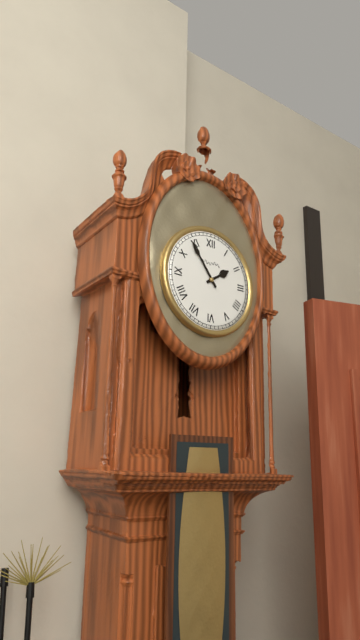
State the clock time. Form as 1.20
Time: 1.54
